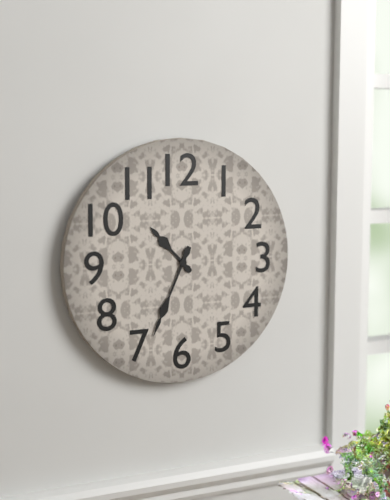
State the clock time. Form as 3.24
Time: 10.34
